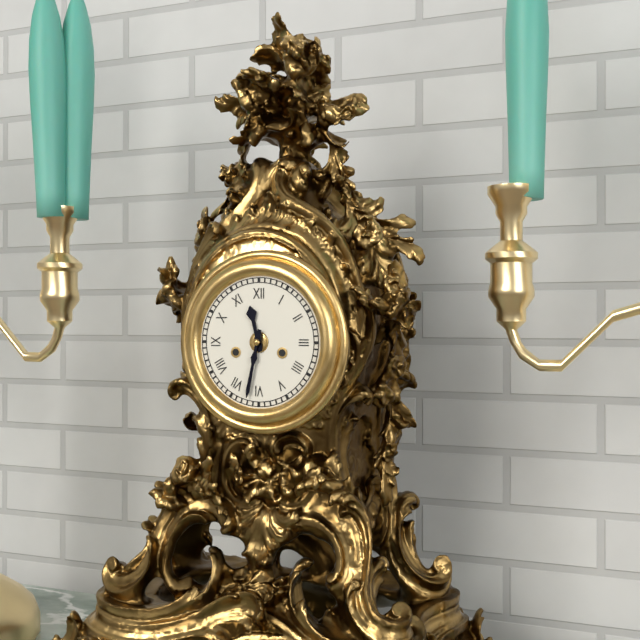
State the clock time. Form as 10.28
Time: 11.32
